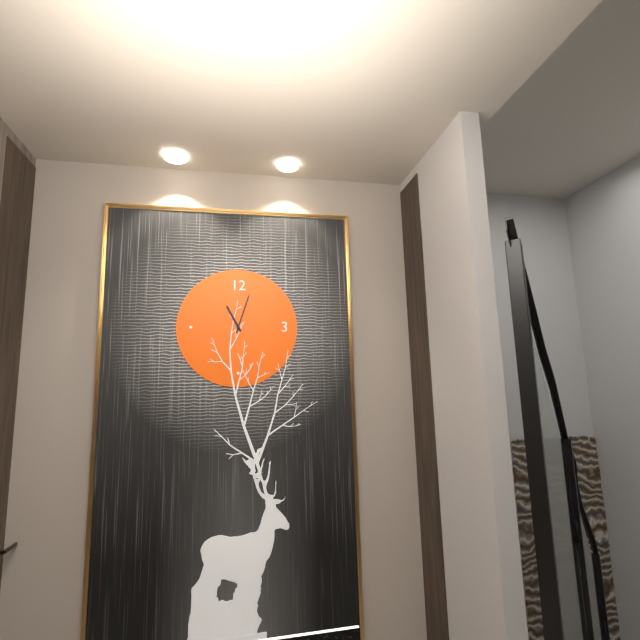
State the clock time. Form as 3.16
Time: 11.03
